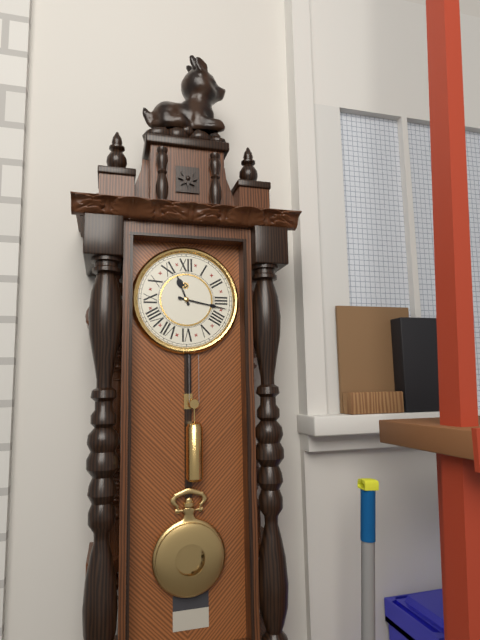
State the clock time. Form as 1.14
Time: 11.17
